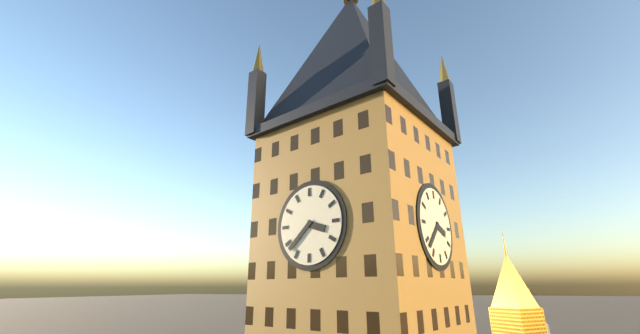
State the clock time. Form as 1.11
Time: 3.38
